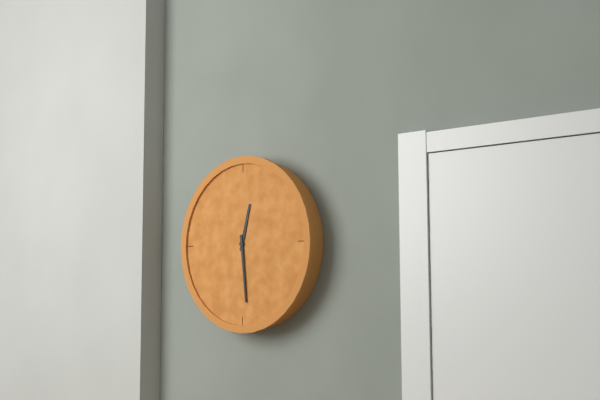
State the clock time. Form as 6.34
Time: 12.29
